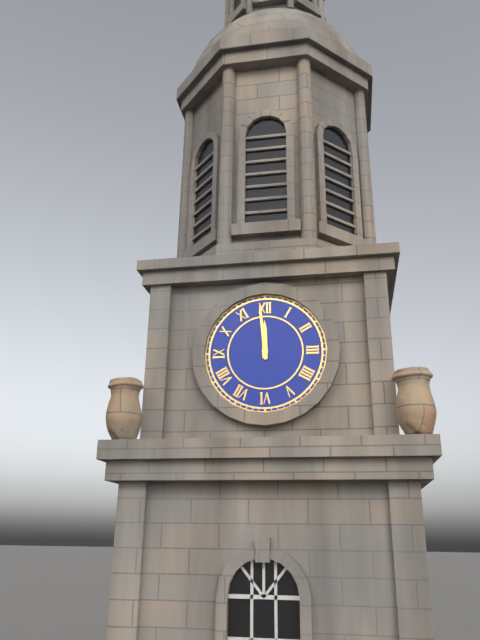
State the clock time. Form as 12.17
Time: 11.59
